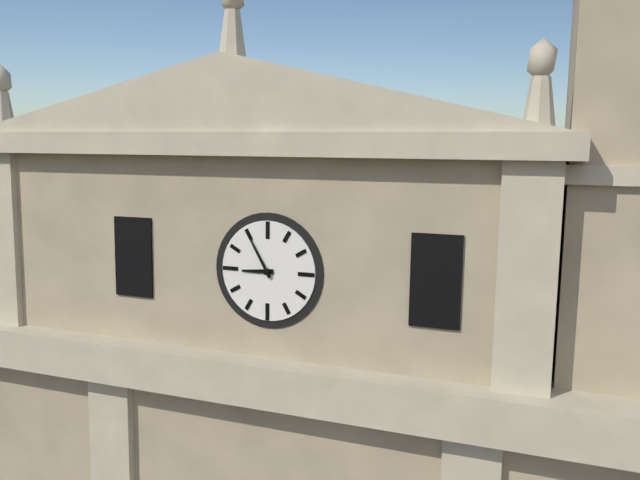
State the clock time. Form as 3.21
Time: 8.55
